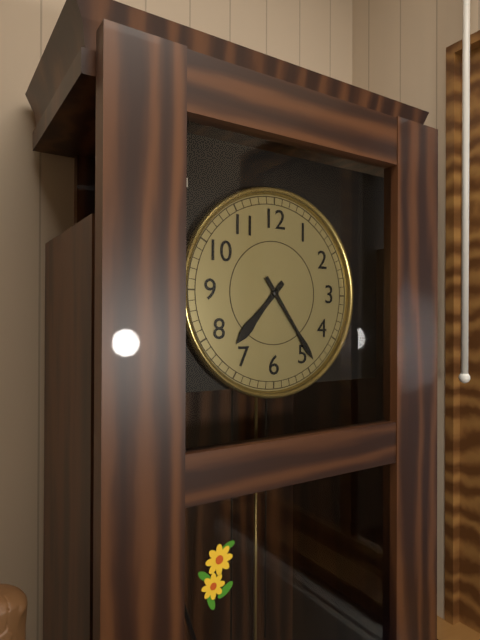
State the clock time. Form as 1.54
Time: 7.24
